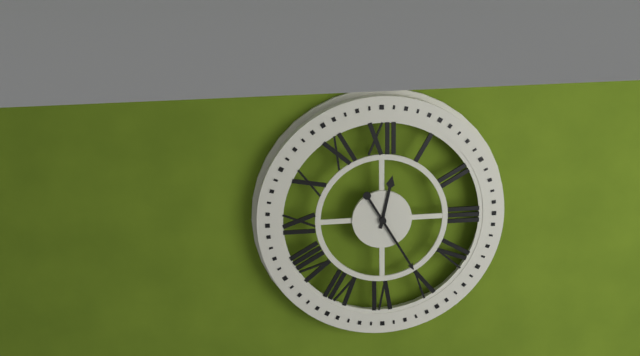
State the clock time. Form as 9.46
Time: 12.25
